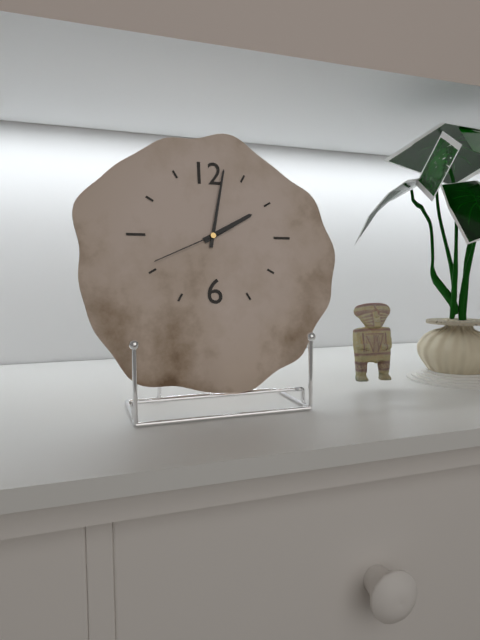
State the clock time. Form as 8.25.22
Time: 2.02.41
